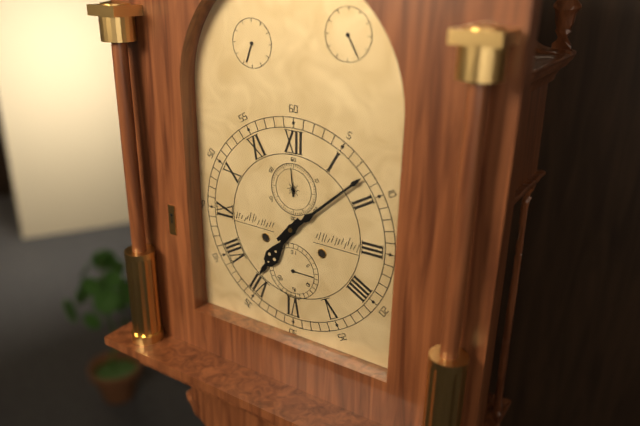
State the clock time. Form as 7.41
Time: 7.08
